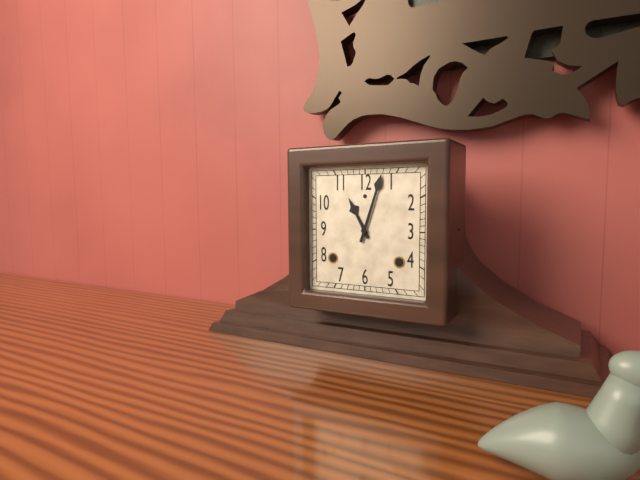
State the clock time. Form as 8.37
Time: 11.03
